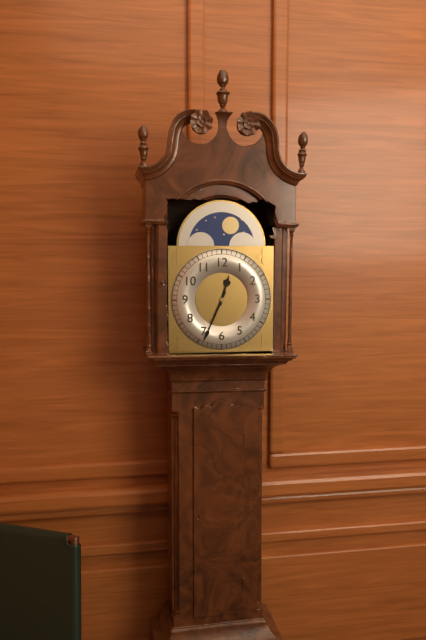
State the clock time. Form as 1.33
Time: 12.34
